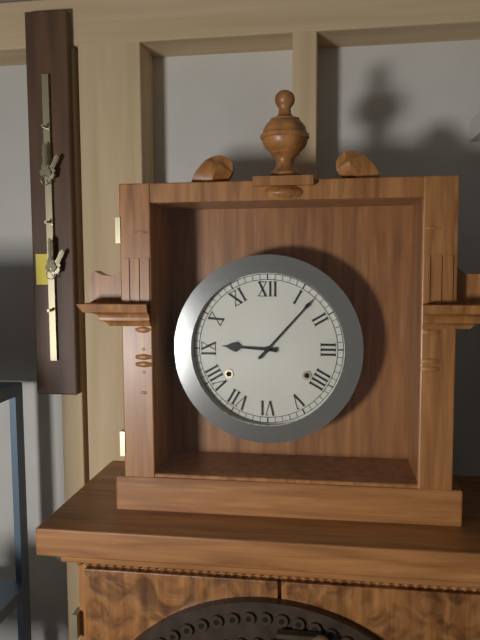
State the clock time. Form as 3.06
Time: 9.07
